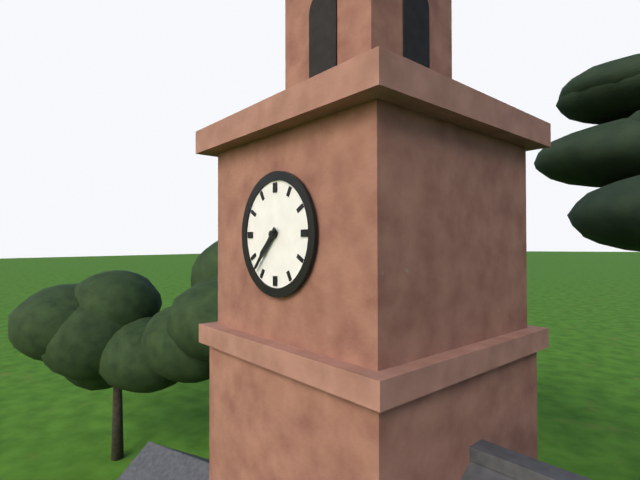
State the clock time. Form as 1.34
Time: 7.37
